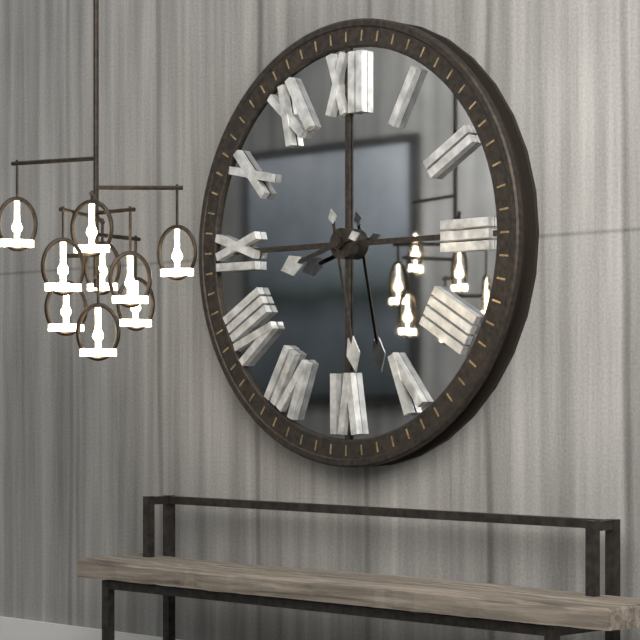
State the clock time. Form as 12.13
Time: 8.28
